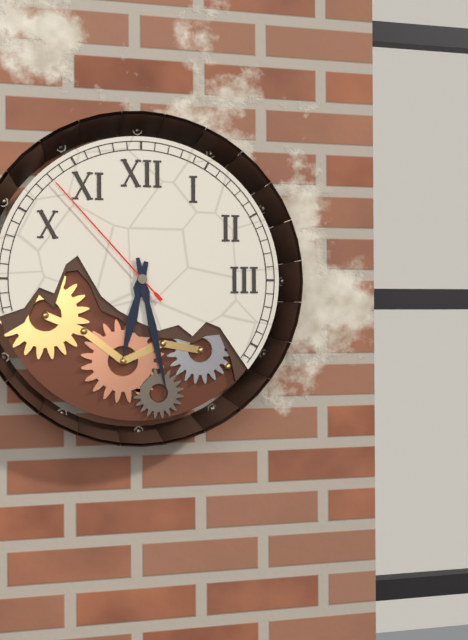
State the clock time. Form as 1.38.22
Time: 6.28.53
